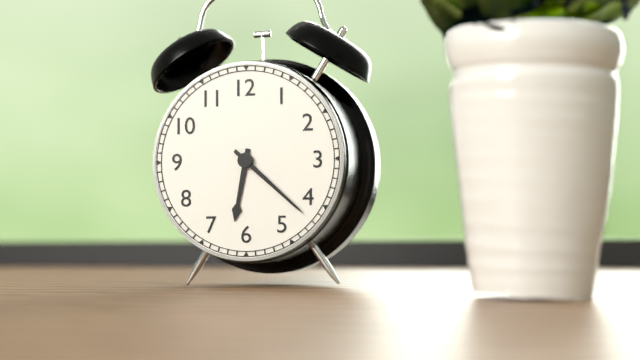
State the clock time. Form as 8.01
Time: 6.22
